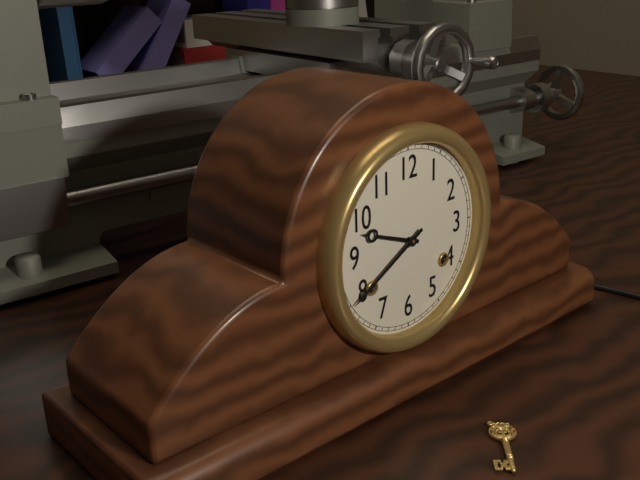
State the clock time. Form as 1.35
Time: 9.40
